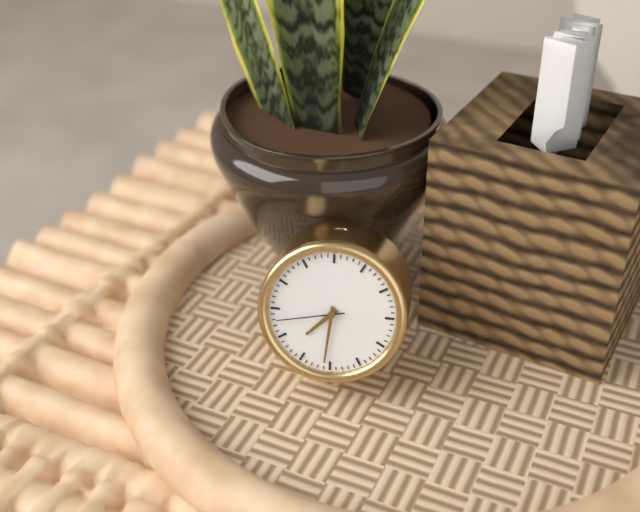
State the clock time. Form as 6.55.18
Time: 7.31.43
